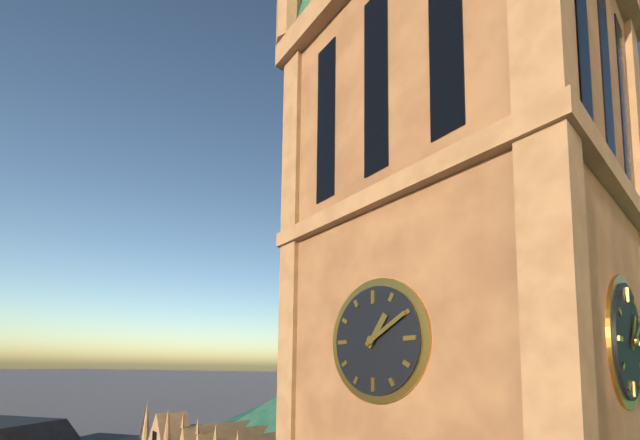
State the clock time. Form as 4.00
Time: 1.10
